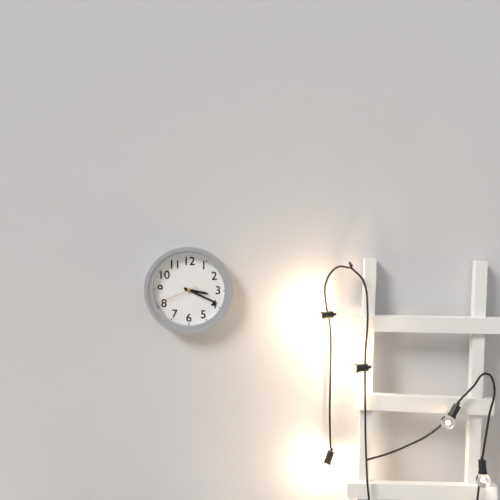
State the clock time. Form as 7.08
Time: 3.19
